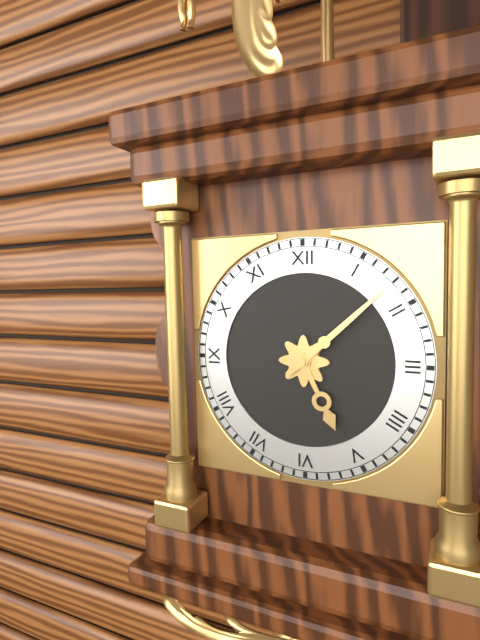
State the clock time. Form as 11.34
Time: 5.08
